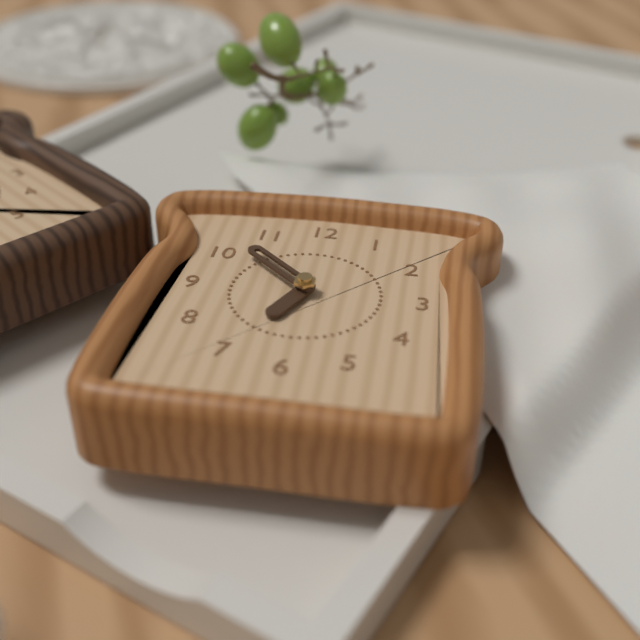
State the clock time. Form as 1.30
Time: 6.52
